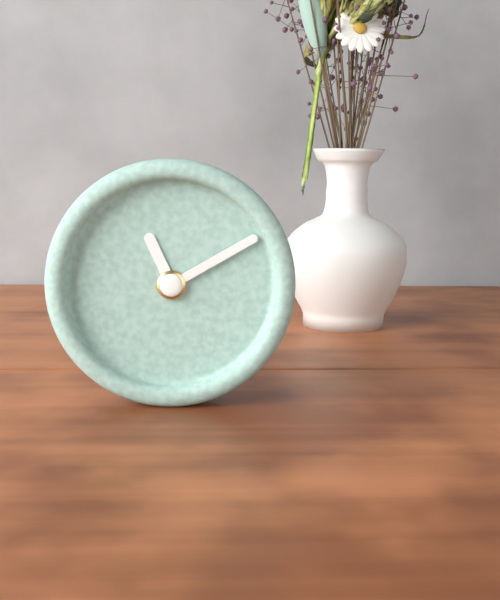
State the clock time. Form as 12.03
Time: 11.10
